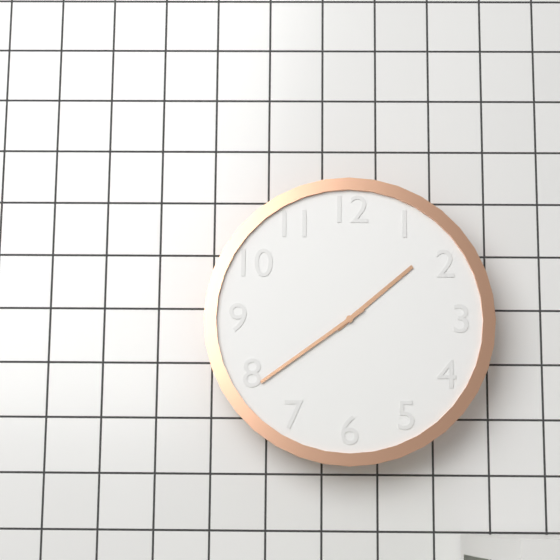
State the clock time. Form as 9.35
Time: 1.39
